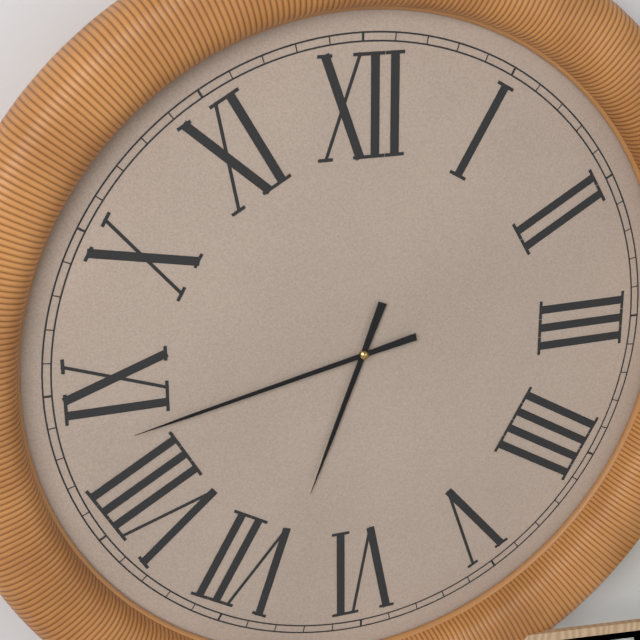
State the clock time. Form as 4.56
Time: 6.43
